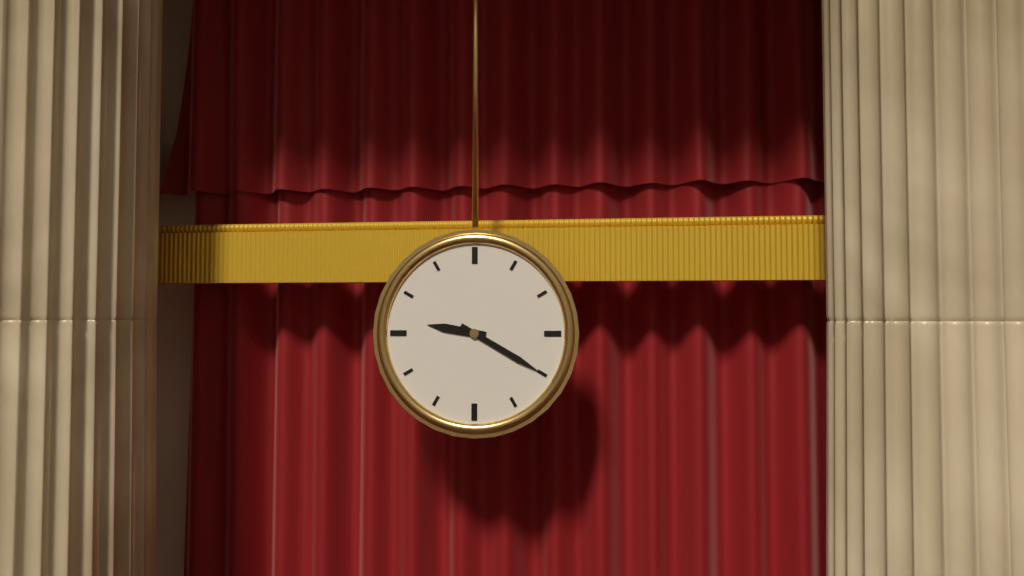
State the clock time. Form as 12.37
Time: 9.20
